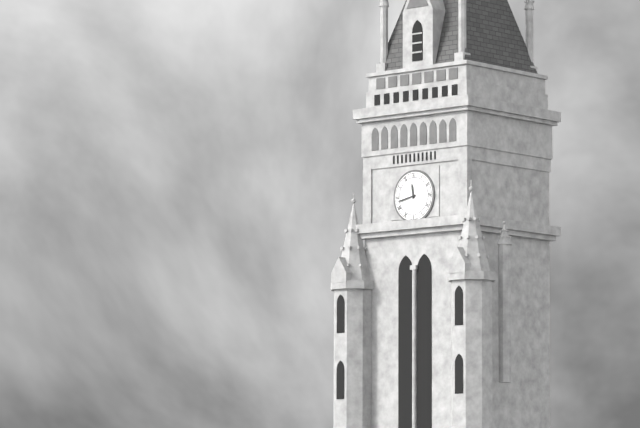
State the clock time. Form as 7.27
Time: 11.43
